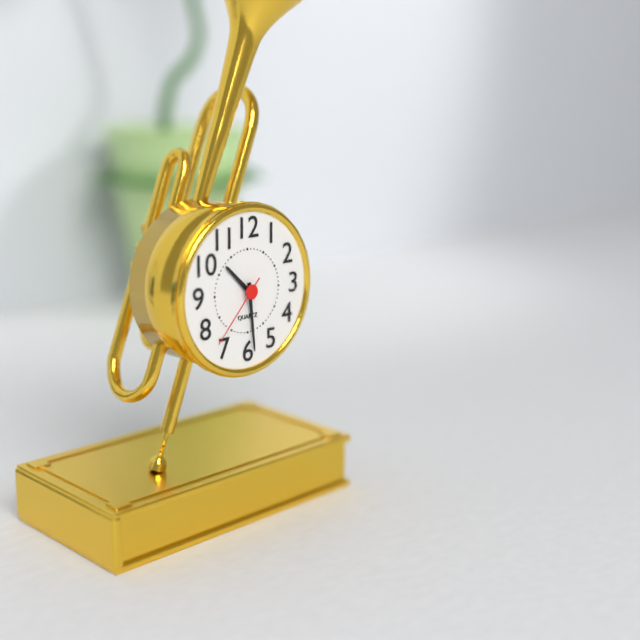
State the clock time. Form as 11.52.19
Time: 10.29.37
